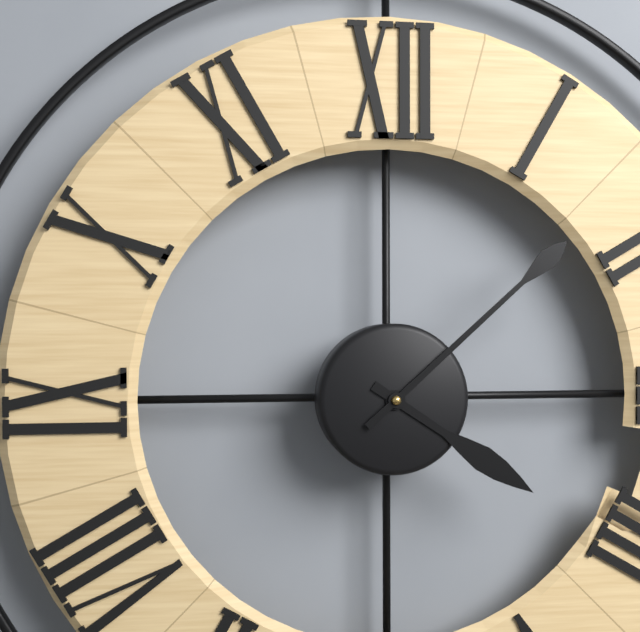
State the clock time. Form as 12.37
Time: 4.08
